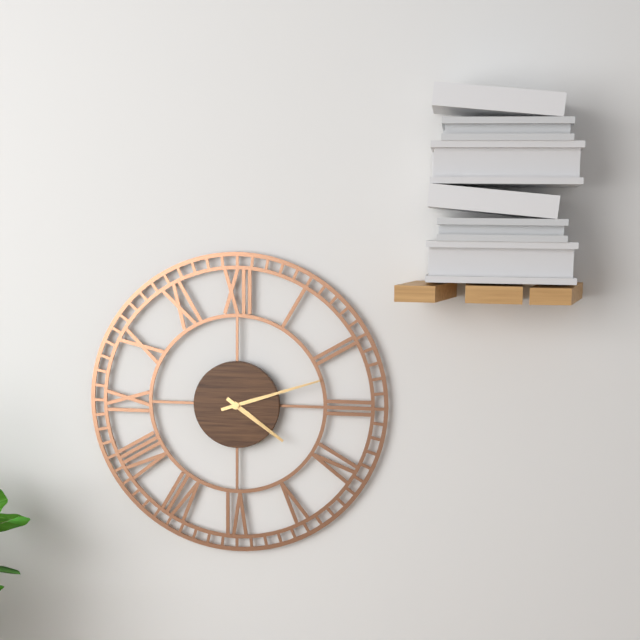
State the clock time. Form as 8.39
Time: 4.12
